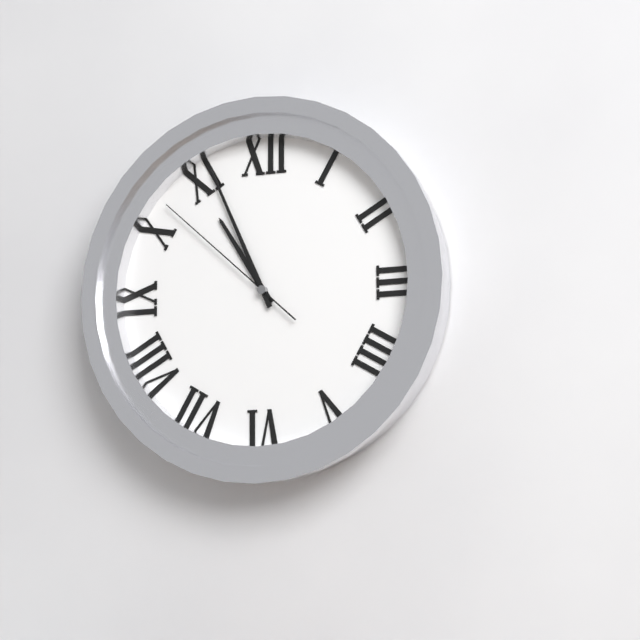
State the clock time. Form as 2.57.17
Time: 10.56.52
